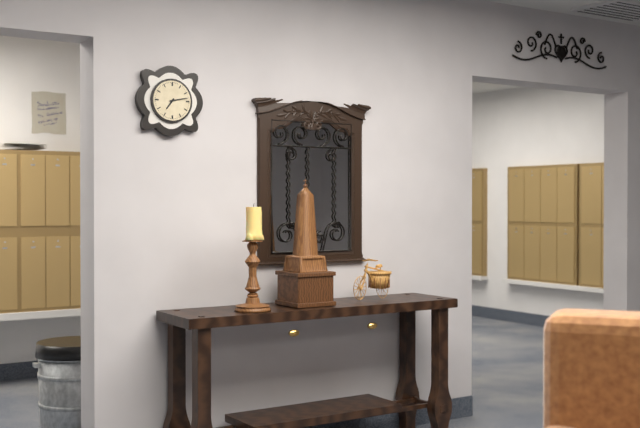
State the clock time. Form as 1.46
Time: 7.13
